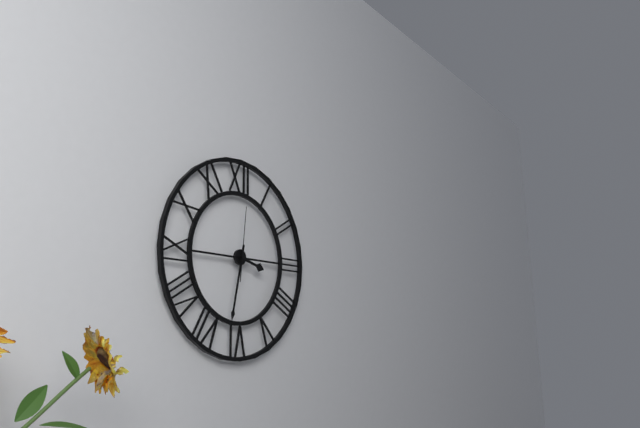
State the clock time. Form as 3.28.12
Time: 3.32.01
